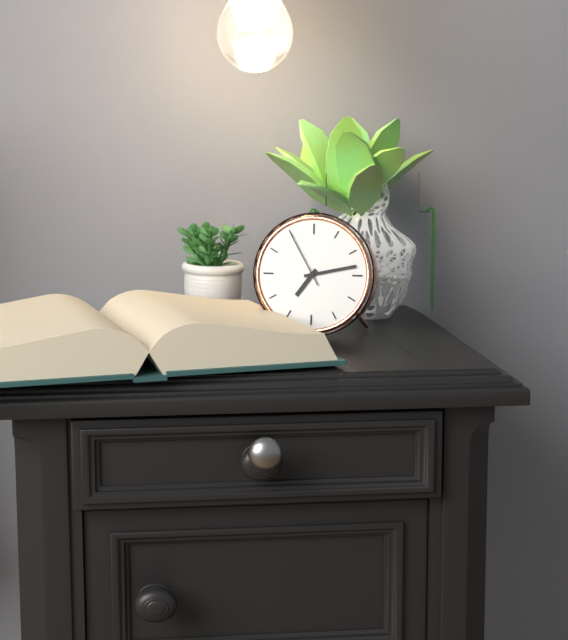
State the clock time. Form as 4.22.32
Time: 7.13.55
